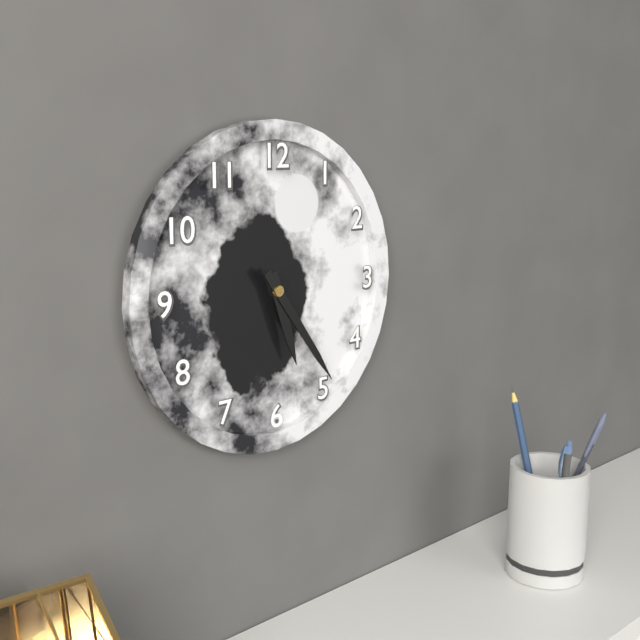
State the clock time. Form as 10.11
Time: 5.24
